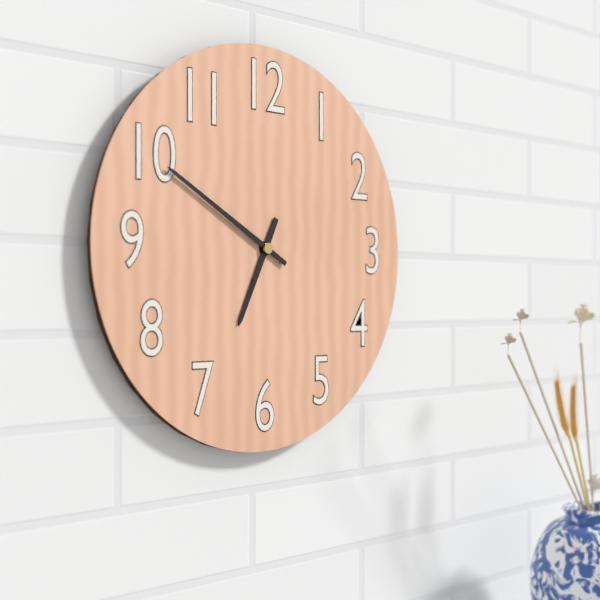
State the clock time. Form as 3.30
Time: 6.50
